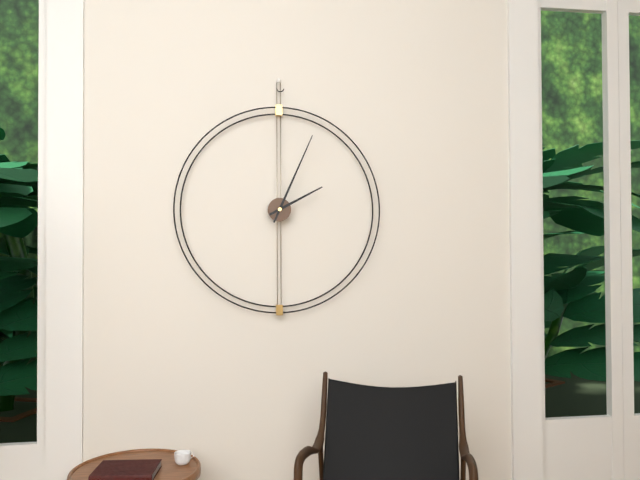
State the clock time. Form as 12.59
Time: 2.04
